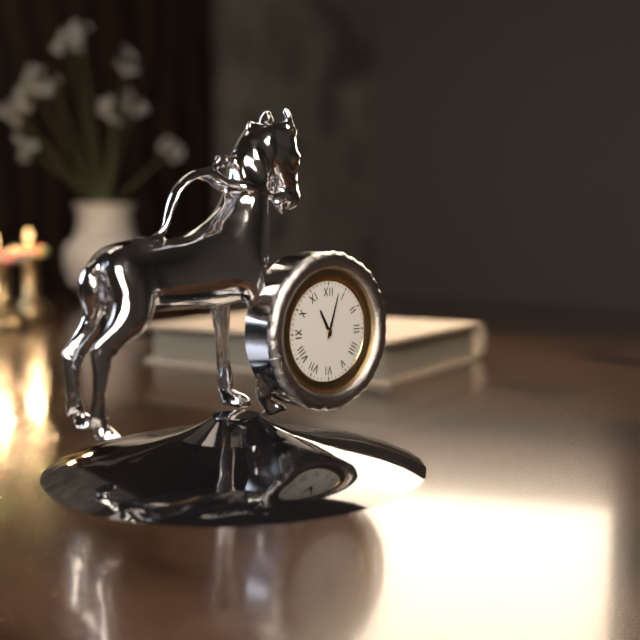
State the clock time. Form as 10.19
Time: 11.03
